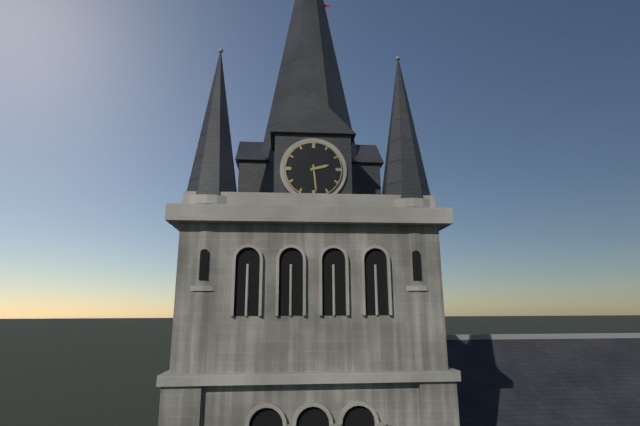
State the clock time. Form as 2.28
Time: 2.29
